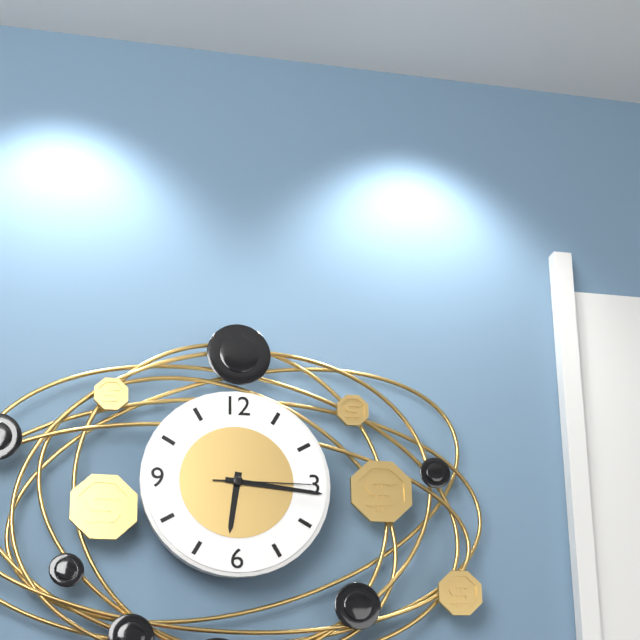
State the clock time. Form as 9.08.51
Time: 6.16.15
